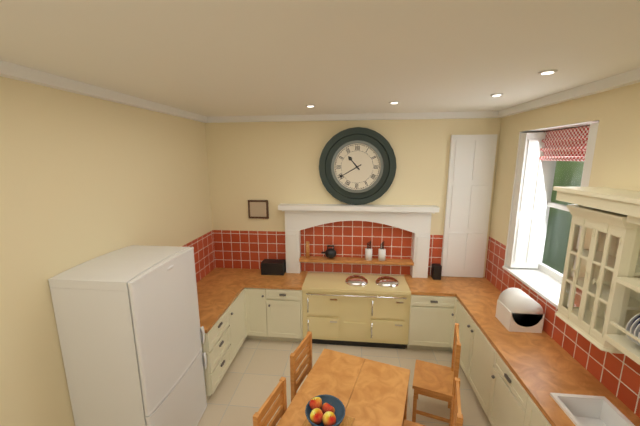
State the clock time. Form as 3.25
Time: 10.40
